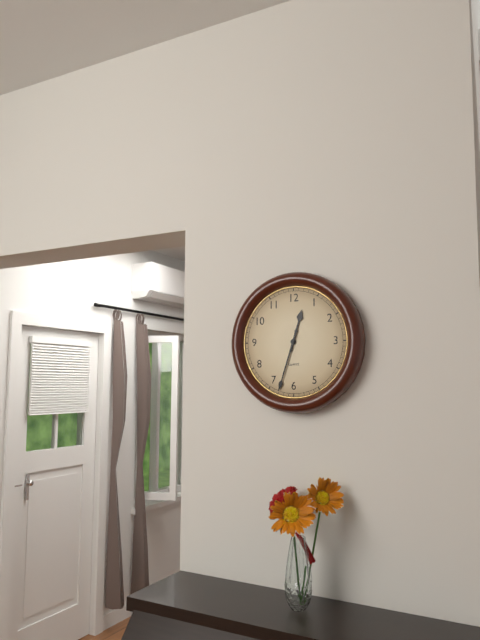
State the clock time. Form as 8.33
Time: 12.33
